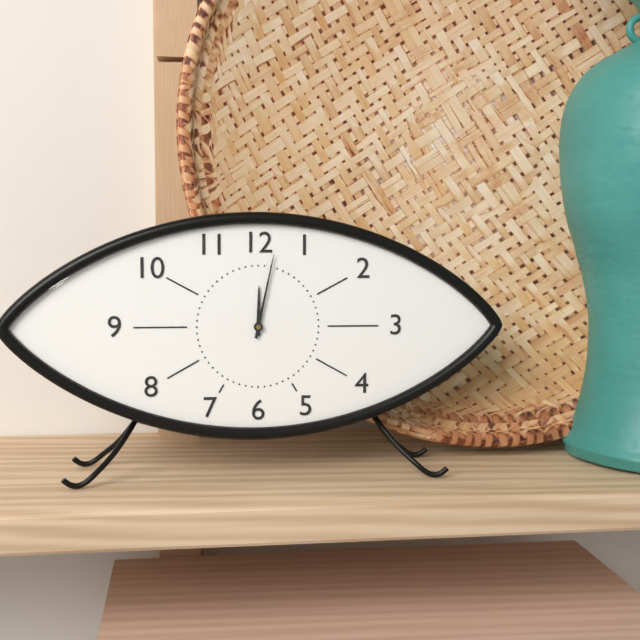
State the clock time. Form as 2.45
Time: 12.02
